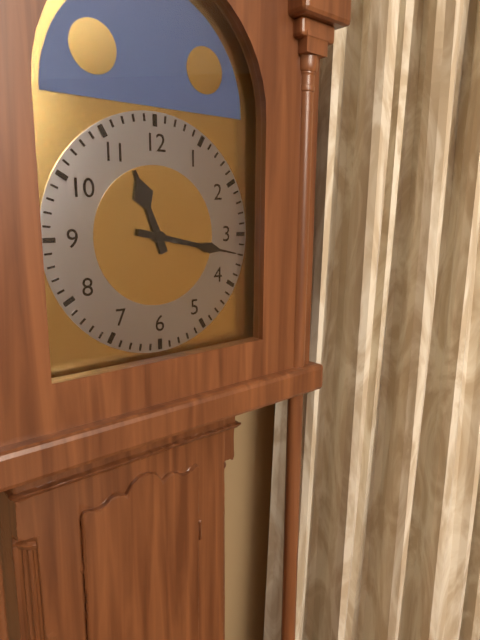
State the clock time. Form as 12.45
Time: 11.17
